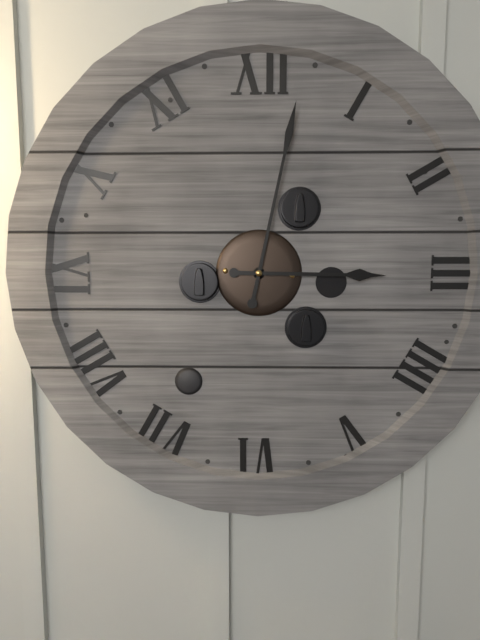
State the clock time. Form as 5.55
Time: 3.02
